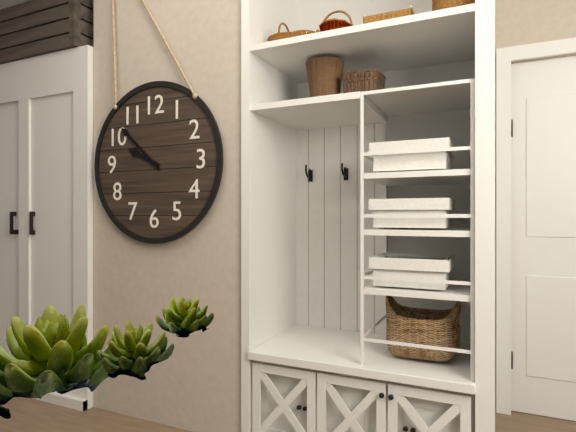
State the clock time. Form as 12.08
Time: 9.52
